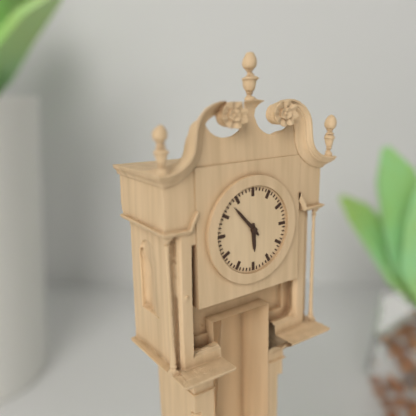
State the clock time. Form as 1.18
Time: 5.53
